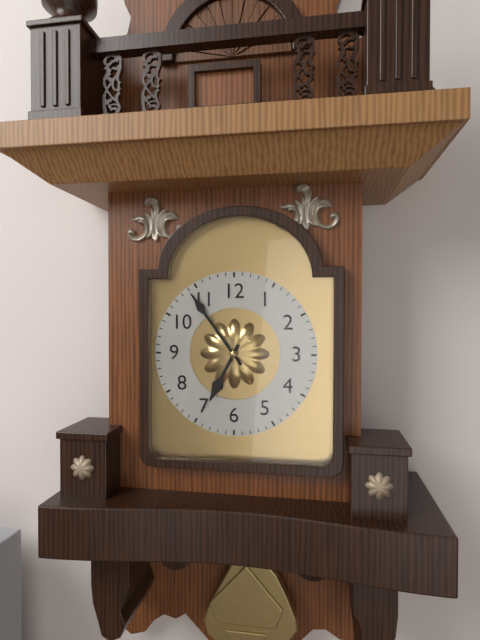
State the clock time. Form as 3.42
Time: 6.54
